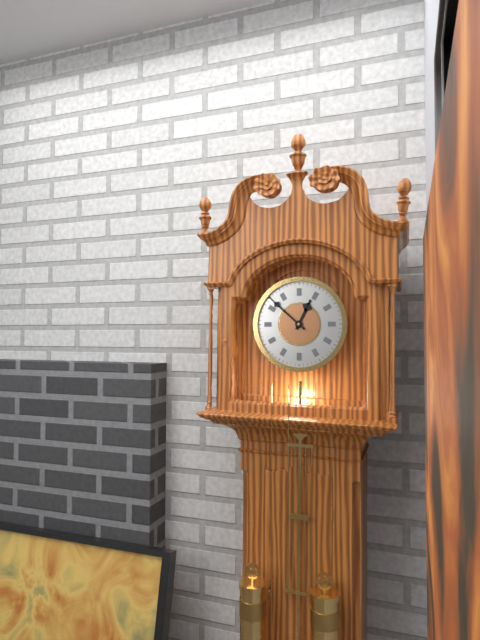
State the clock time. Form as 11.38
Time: 12.52
